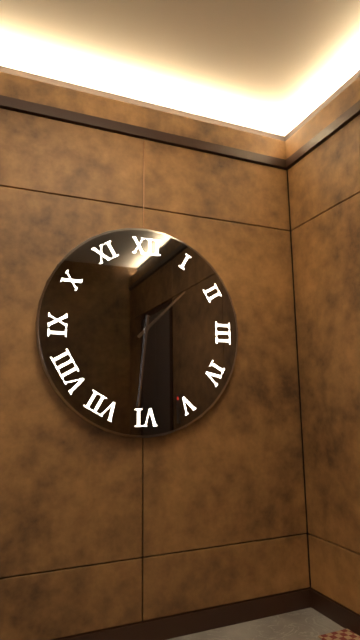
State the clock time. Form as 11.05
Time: 1.31
